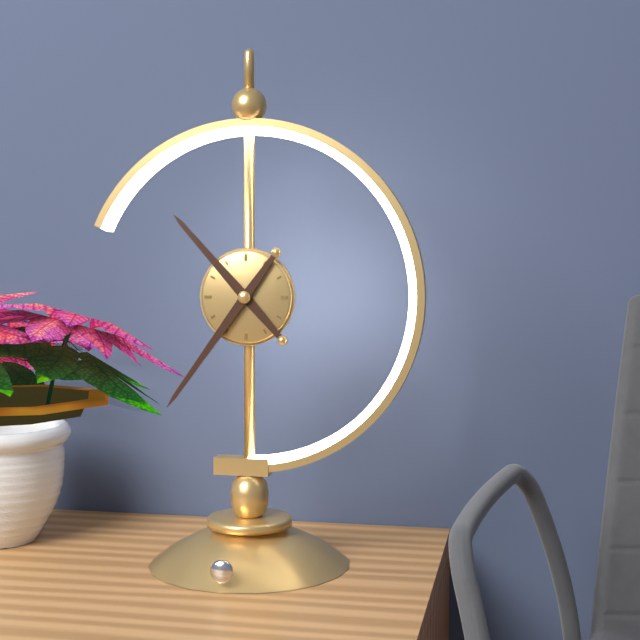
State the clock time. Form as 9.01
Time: 10.36
